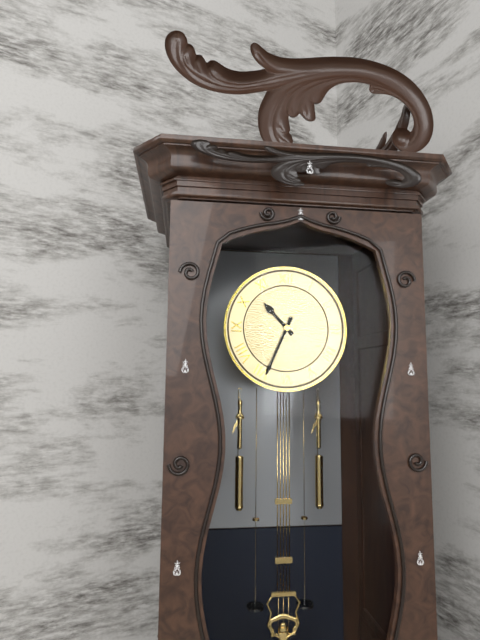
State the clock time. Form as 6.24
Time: 10.34
